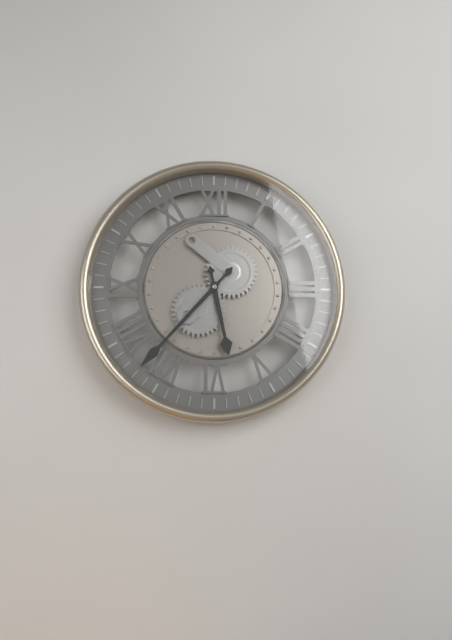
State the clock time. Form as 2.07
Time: 5.37
